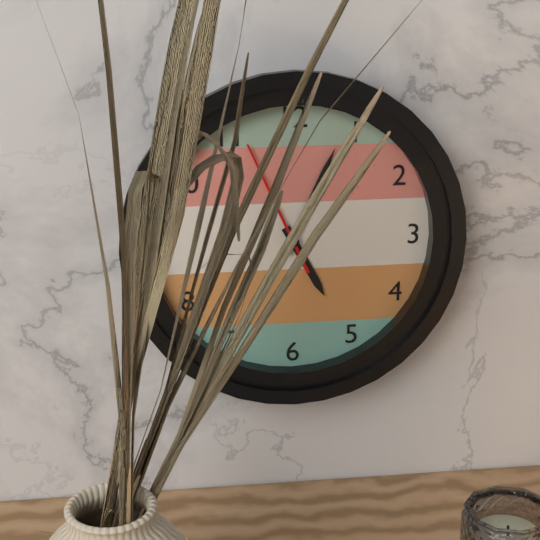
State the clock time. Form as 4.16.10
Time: 5.04.56
